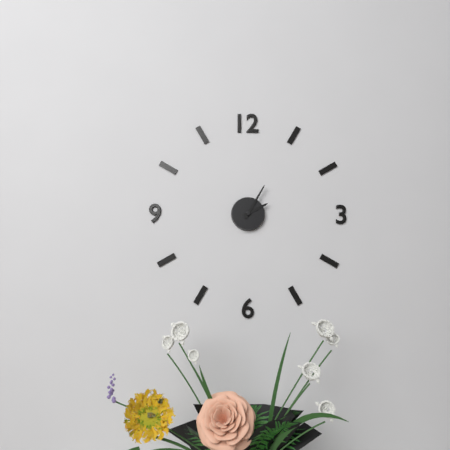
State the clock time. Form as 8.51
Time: 2.05
